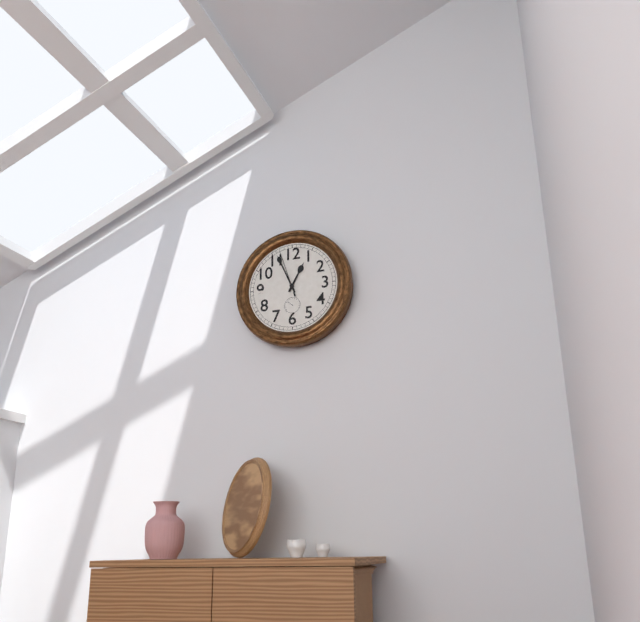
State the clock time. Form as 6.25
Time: 12.56
